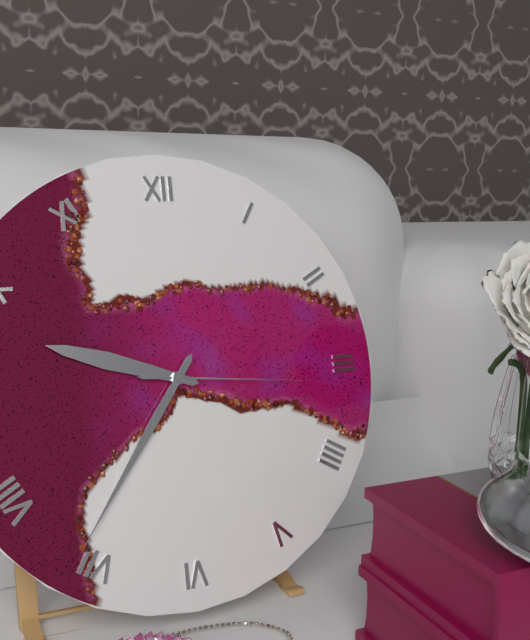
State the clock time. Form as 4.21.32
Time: 9.36.16
